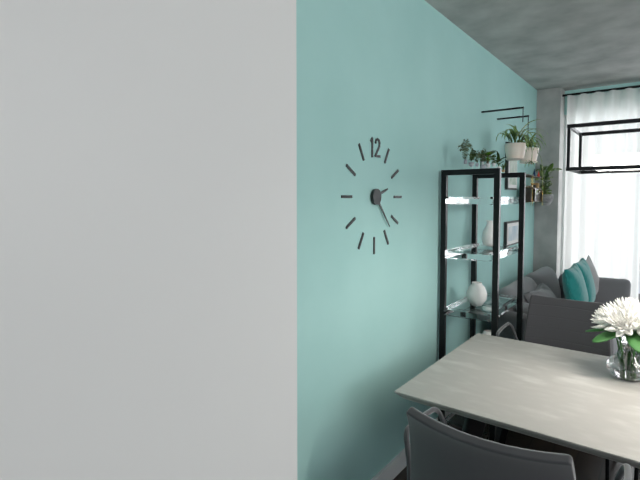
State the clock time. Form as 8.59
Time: 2.23
